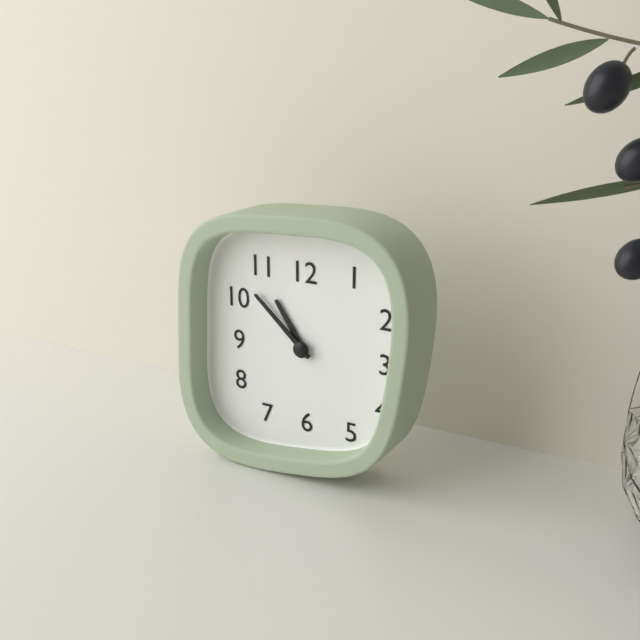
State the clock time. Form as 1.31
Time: 10.52
